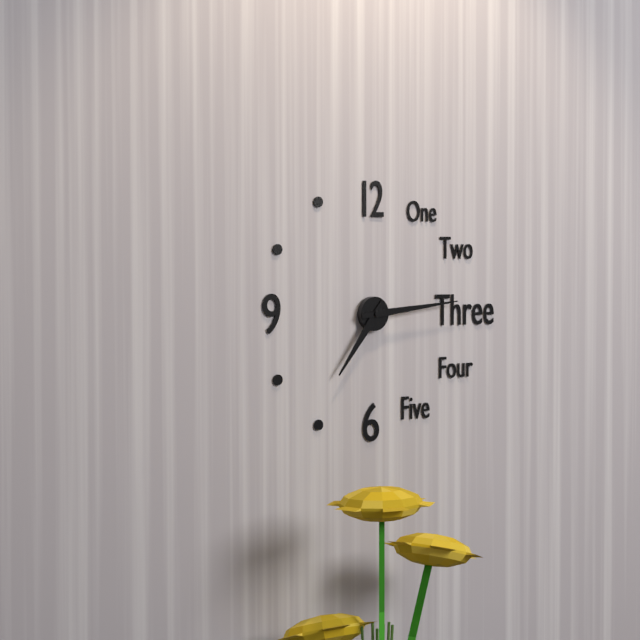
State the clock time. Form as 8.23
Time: 7.14
